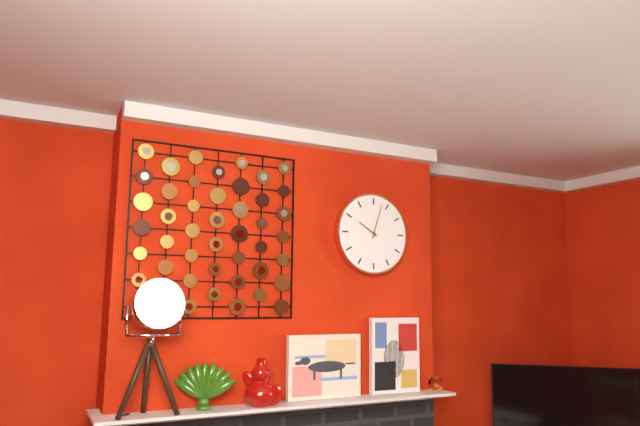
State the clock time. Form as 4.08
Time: 10.03
